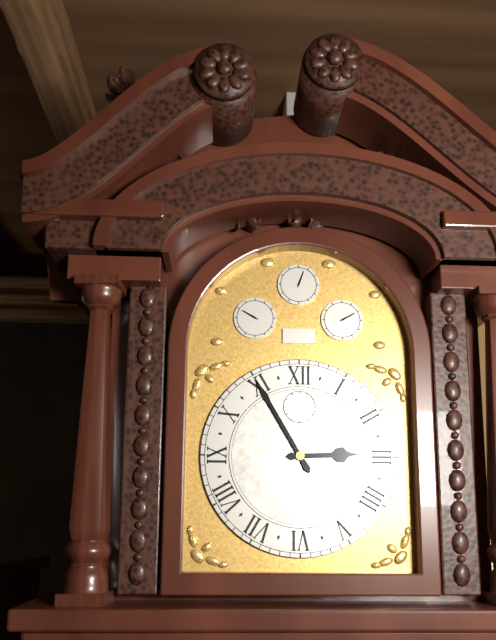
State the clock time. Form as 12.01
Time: 2.55
